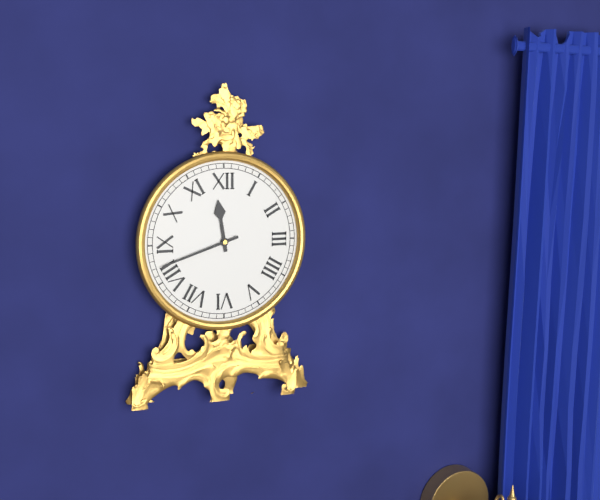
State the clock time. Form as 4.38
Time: 11.42
